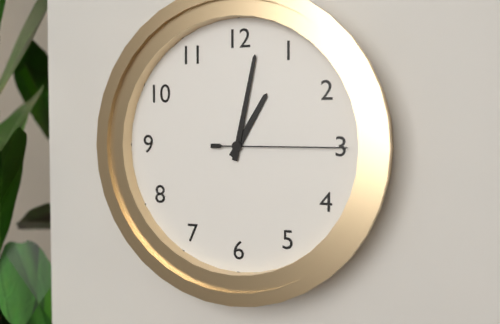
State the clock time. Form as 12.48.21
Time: 1.02.15
